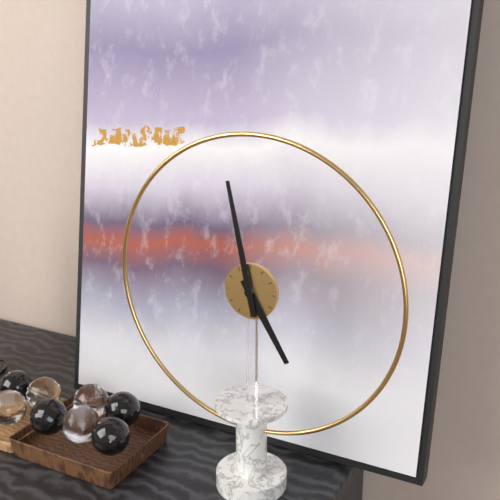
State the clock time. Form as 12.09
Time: 4.58
